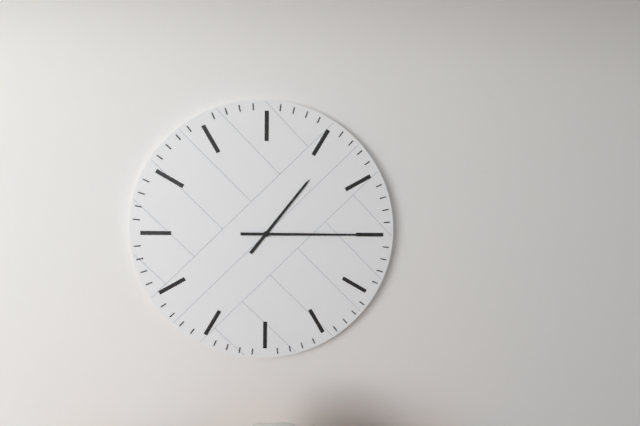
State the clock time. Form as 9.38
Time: 1.15
